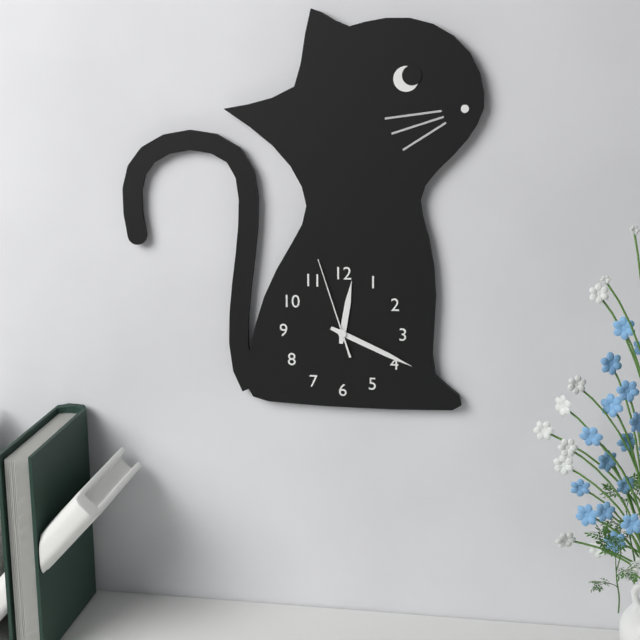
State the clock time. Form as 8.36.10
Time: 12.19.57
